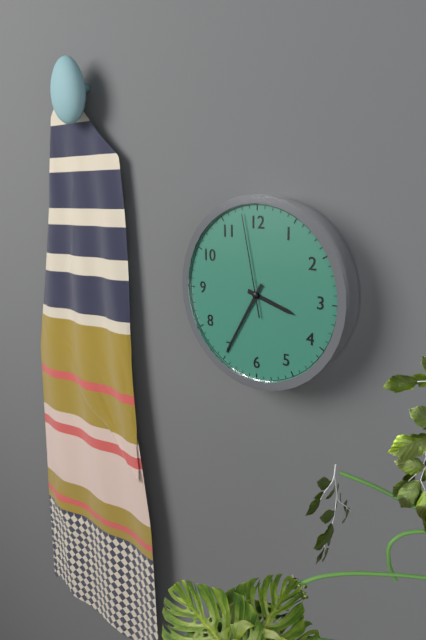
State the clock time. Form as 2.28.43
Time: 3.35.58
